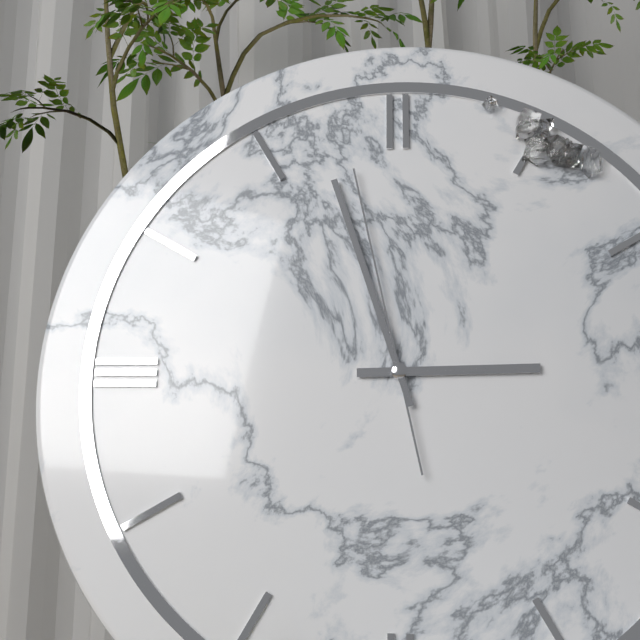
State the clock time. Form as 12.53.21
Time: 2.57.58
